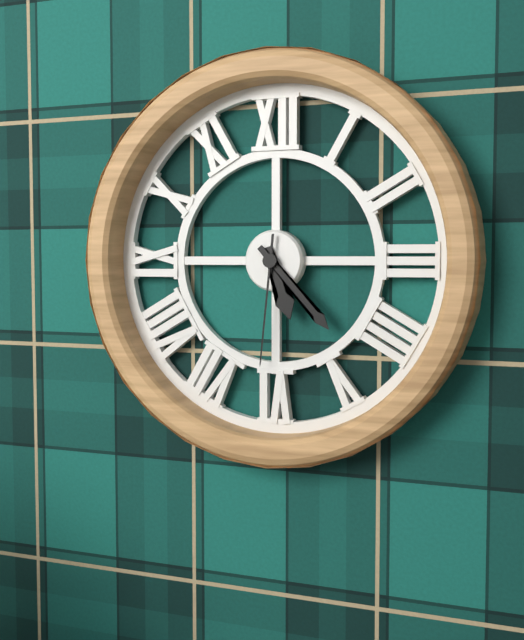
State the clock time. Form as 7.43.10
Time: 5.23.31
